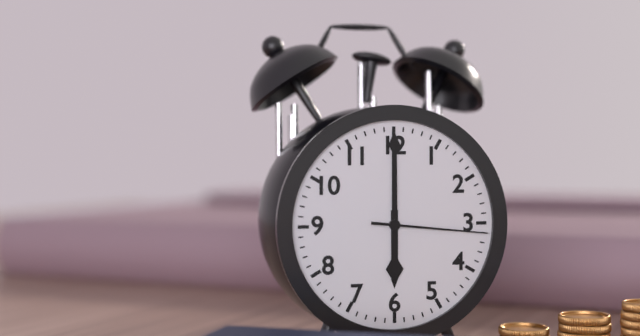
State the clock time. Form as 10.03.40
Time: 6.00.16
